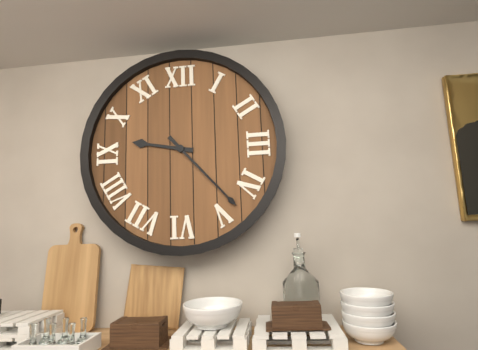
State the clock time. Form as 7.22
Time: 9.23
